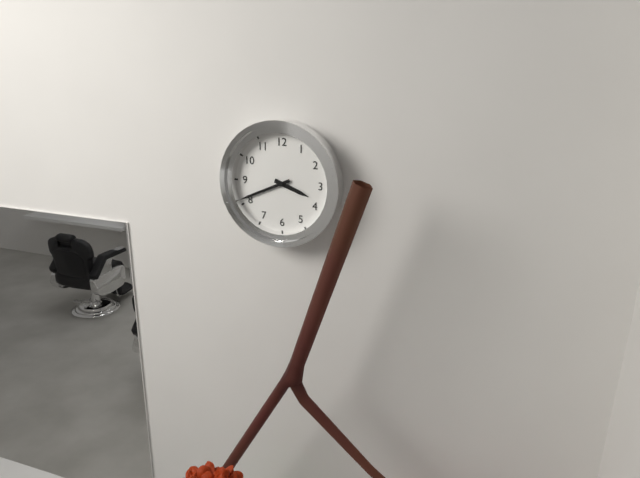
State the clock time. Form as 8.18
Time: 3.41
